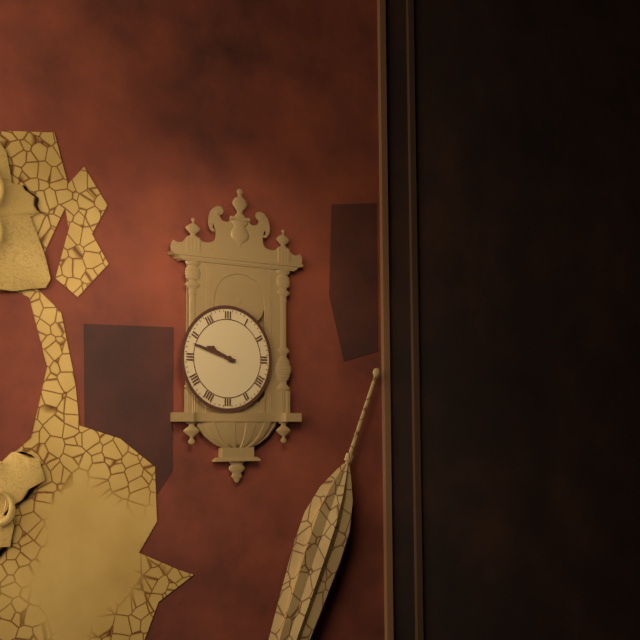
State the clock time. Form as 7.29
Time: 9.48
